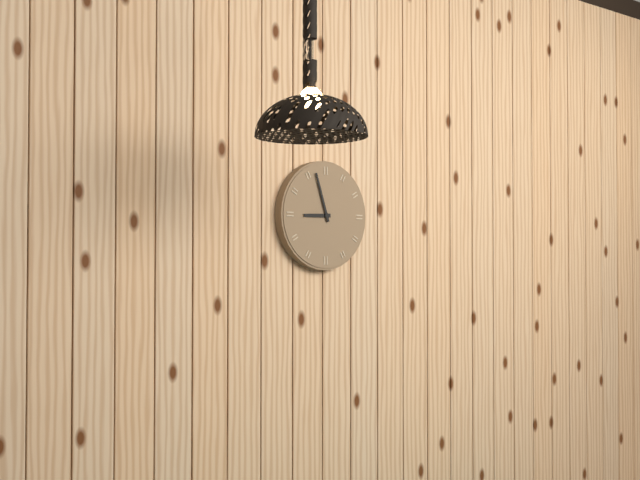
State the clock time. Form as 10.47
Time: 8.57
